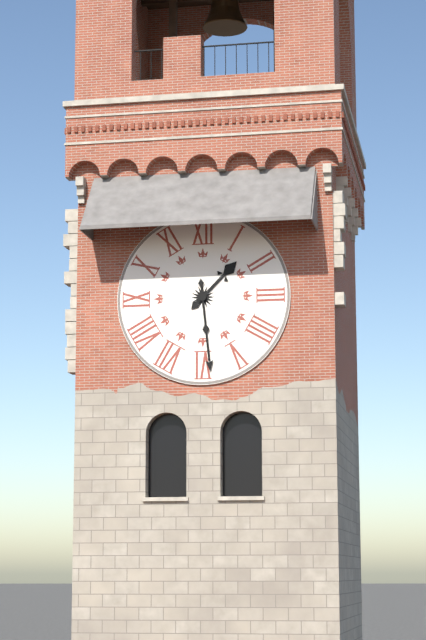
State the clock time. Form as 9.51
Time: 1.29
